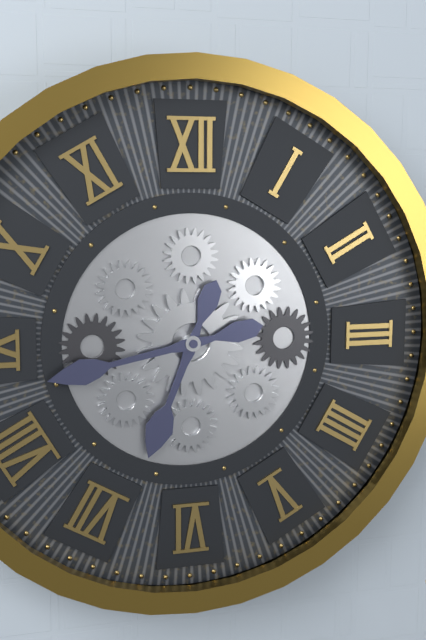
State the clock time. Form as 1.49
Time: 6.43
